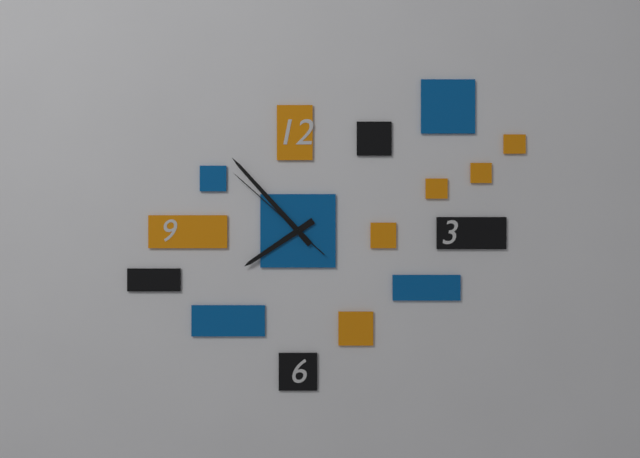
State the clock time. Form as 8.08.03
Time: 7.53.52
